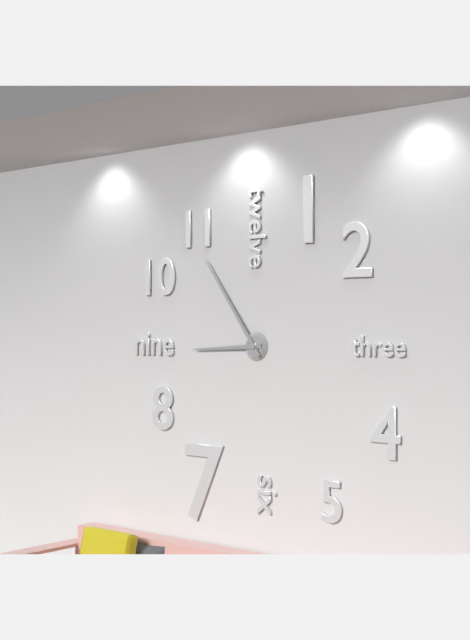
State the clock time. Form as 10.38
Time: 8.54
